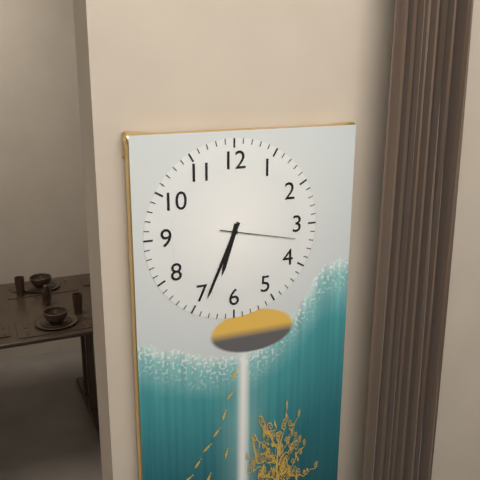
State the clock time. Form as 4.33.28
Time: 6.34.17
